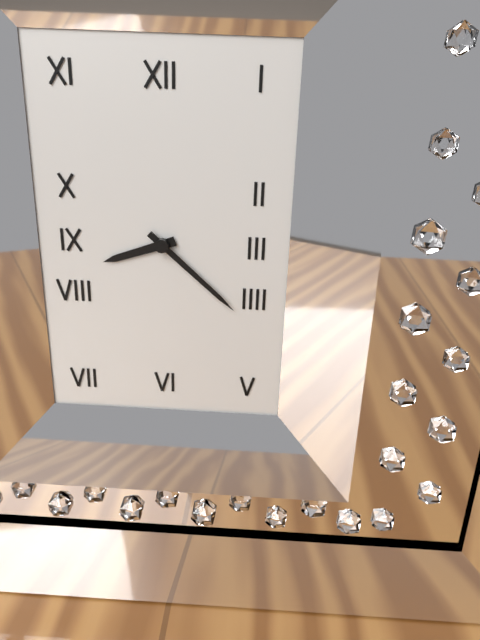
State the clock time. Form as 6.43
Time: 8.22
